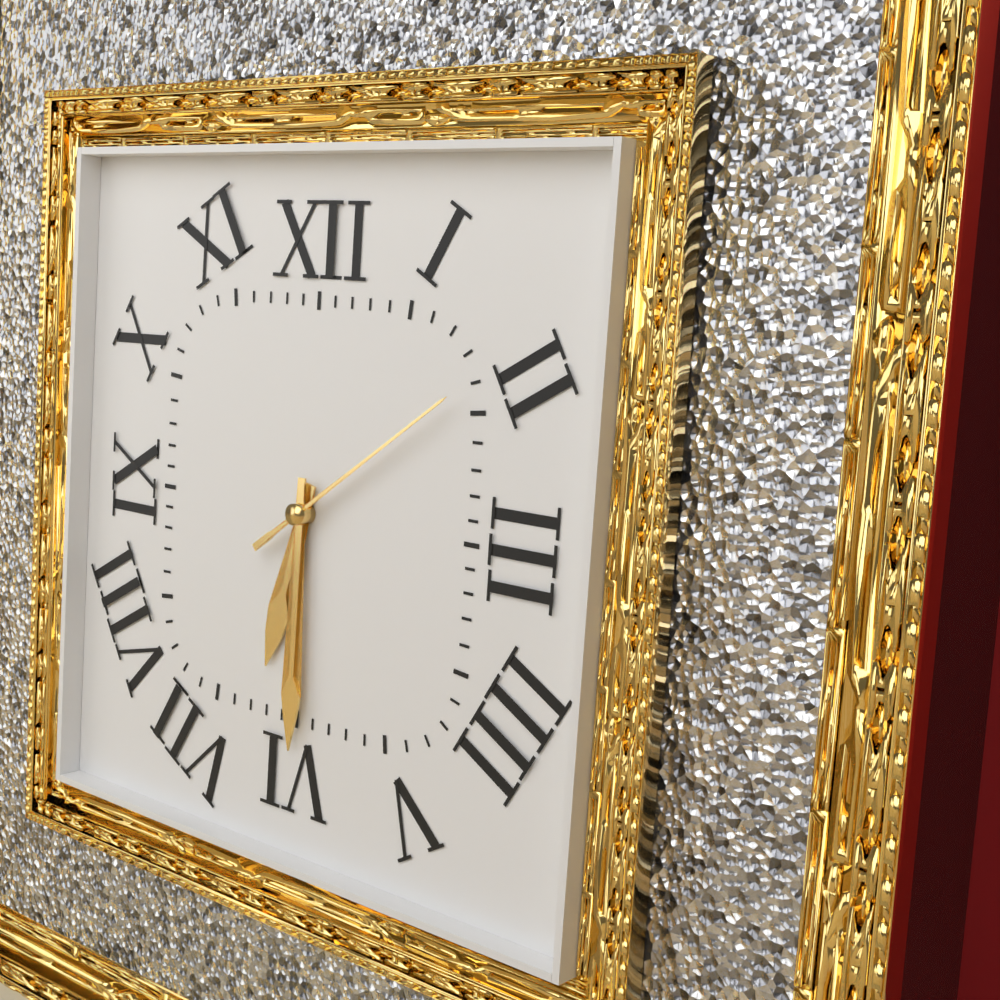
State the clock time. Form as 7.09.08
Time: 6.30.09
